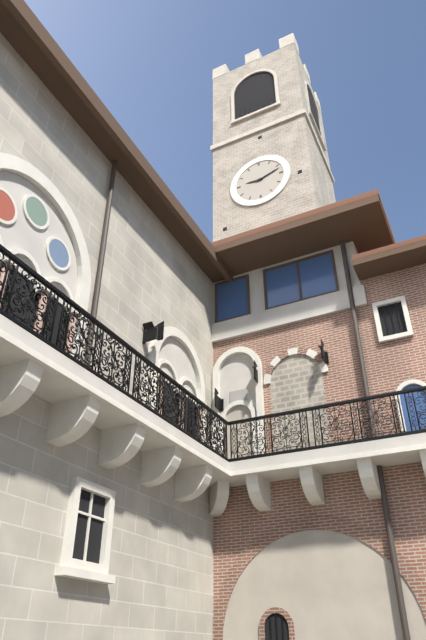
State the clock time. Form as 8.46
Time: 9.12
